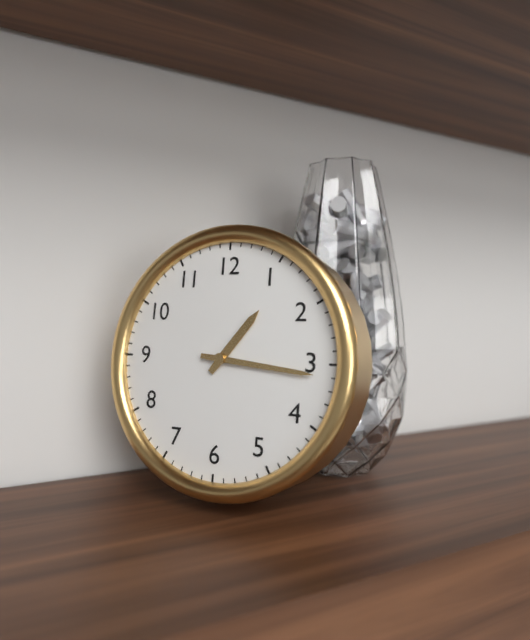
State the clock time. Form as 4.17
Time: 1.16
